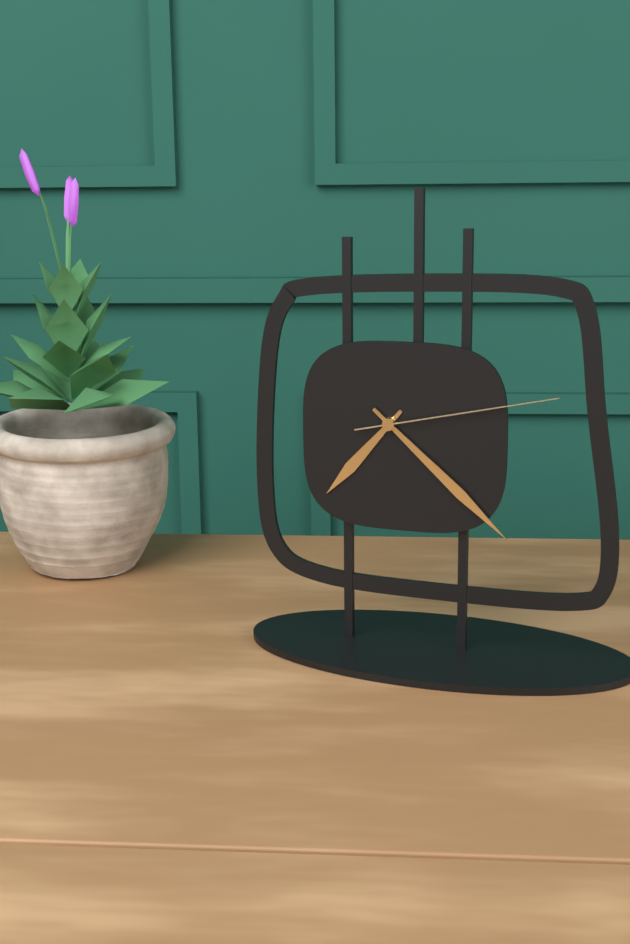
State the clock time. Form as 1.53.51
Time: 7.22.13
